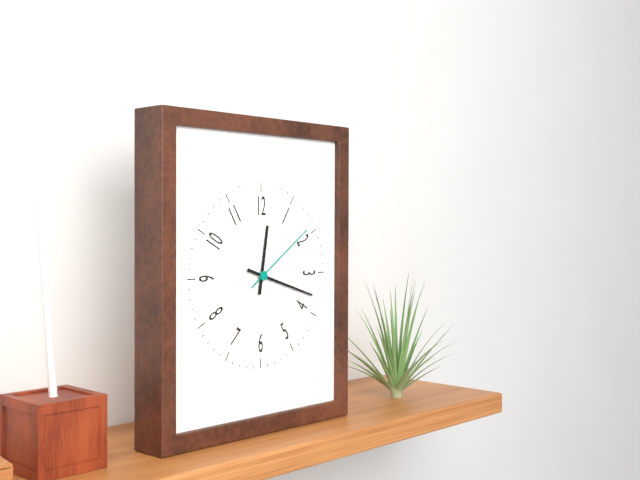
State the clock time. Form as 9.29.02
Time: 12.18.09
